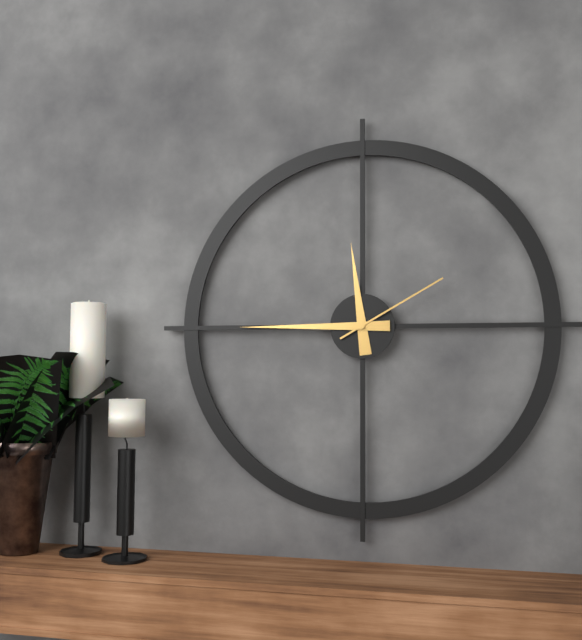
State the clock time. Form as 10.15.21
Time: 11.45.10
